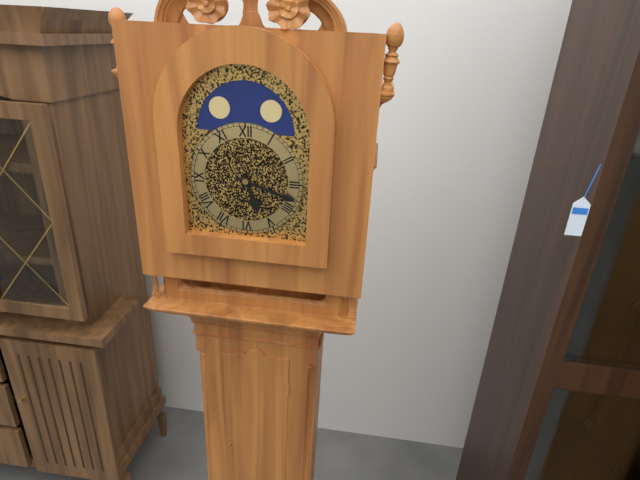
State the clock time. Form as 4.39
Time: 5.18
